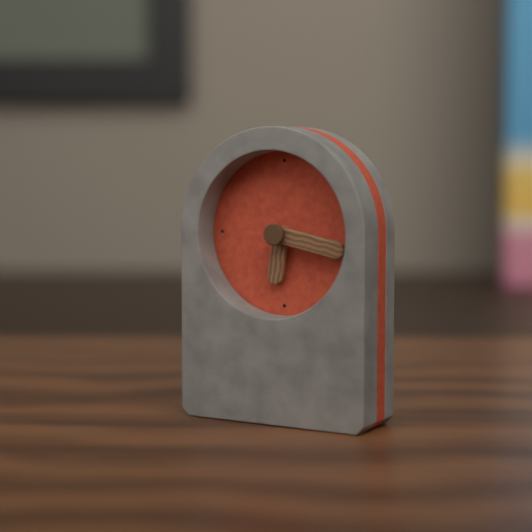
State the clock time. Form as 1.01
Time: 6.17
